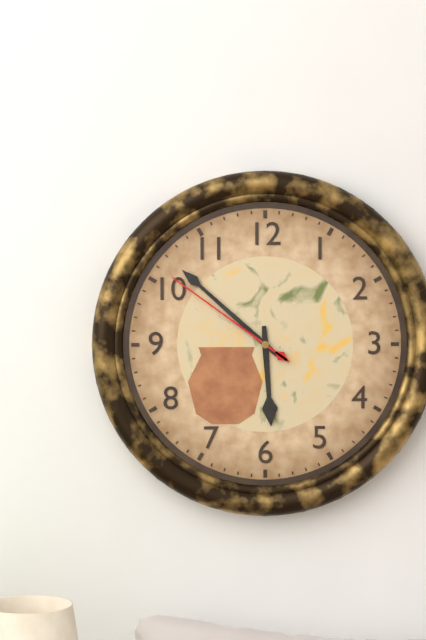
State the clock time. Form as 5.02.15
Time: 5.52.51
